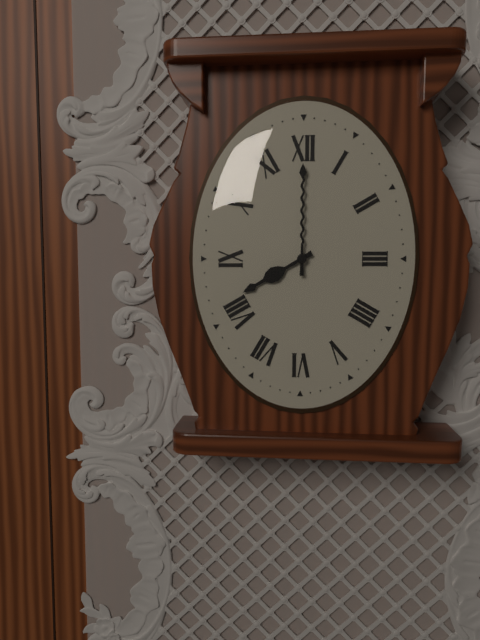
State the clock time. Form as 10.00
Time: 8.00
